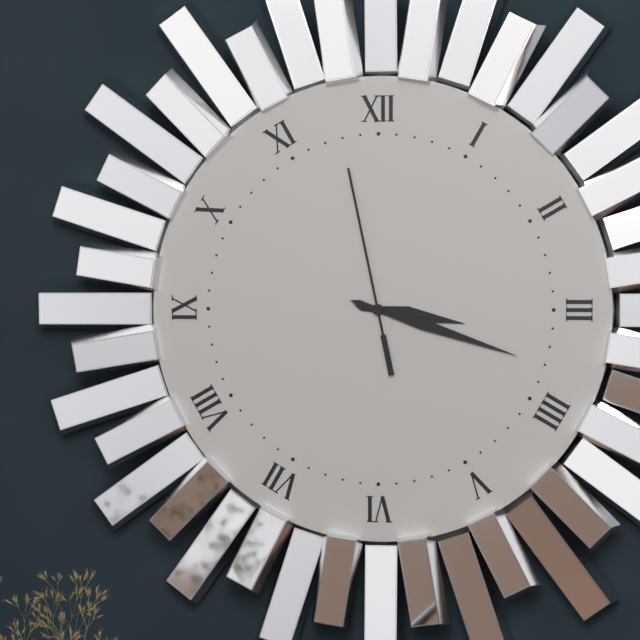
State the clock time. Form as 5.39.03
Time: 3.18.58
